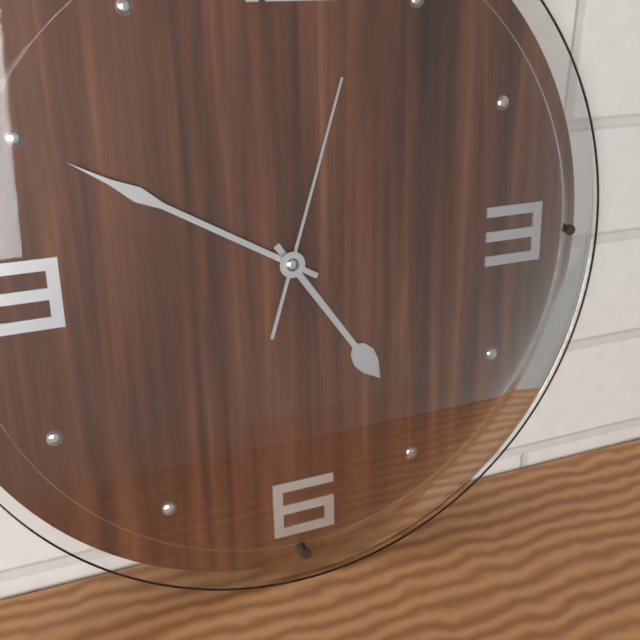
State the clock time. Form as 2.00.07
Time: 4.50.03
